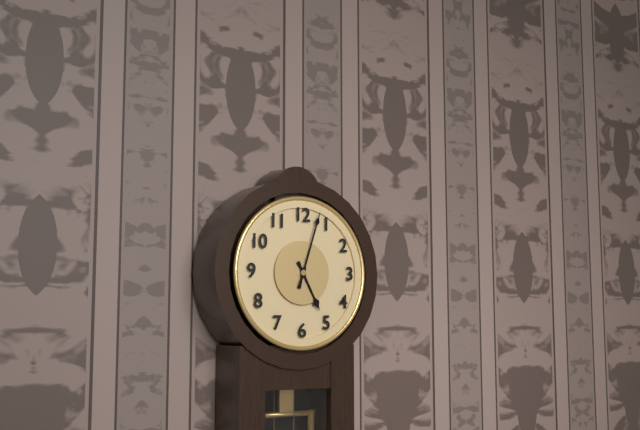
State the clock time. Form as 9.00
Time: 5.03
